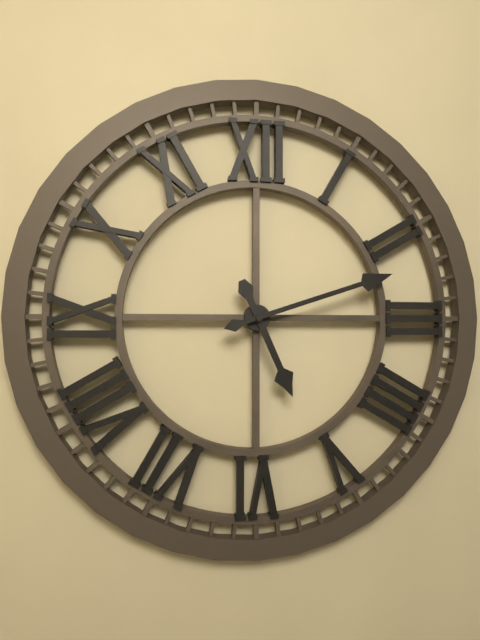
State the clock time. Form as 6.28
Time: 5.12
